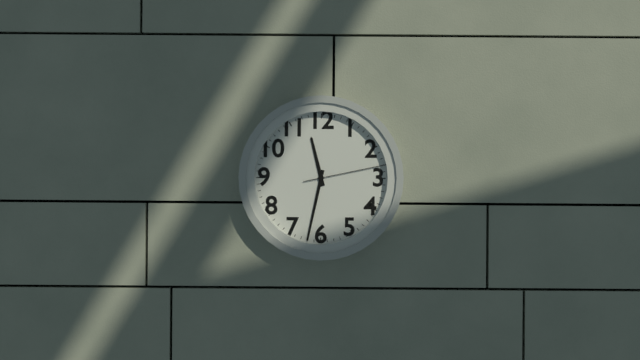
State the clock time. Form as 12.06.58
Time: 11.32.13
